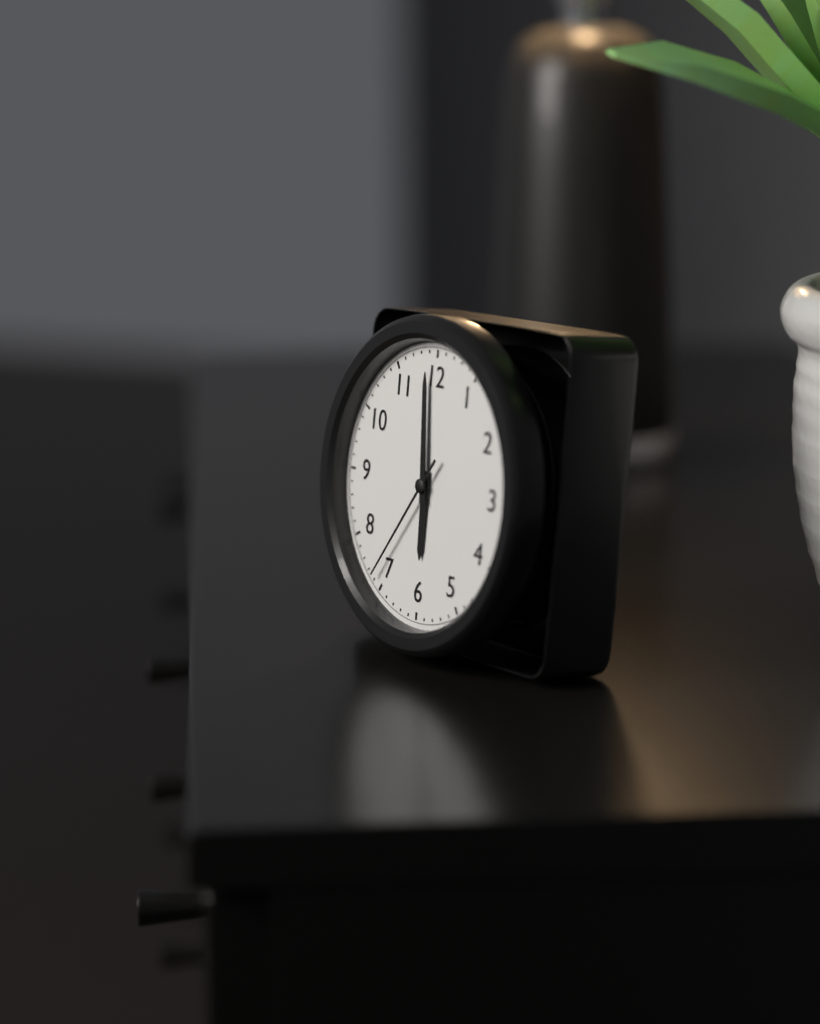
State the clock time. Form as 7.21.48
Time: 5.59.36
